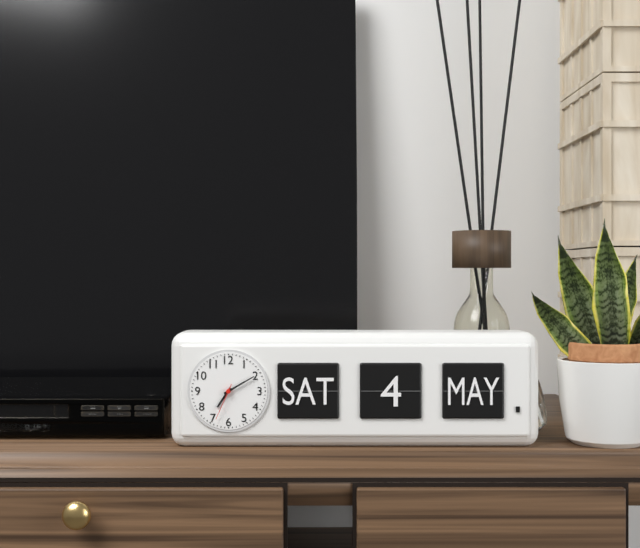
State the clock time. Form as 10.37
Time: 7.10
